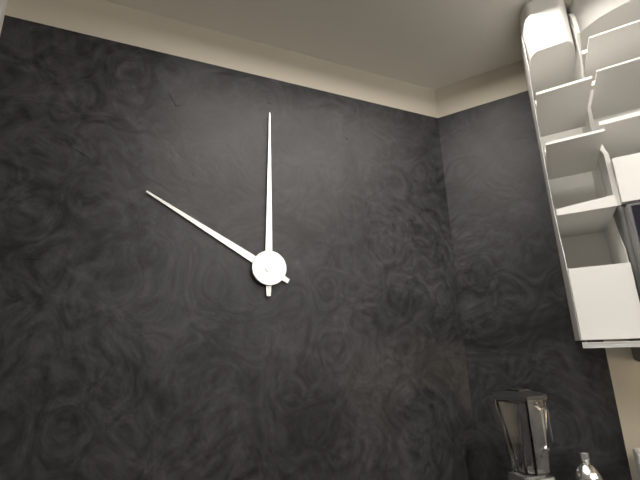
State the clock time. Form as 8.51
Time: 10.00
